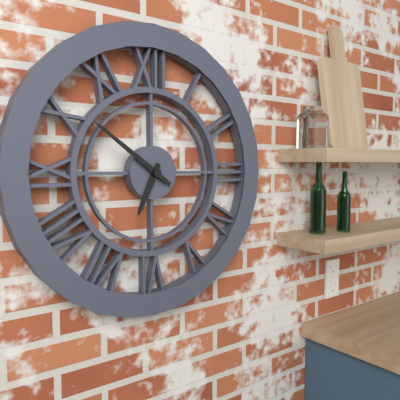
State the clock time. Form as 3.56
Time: 6.51
